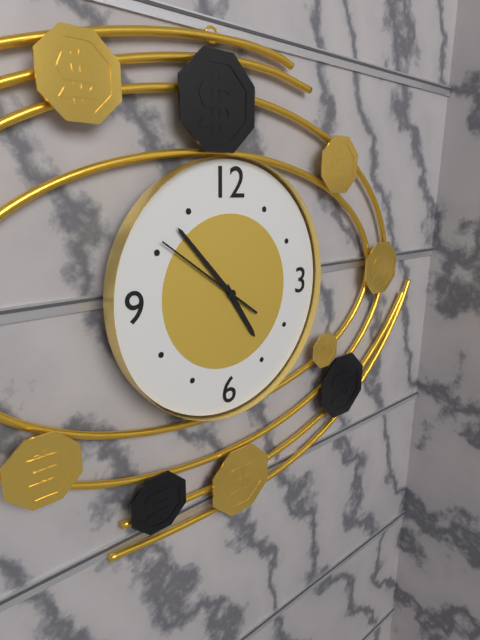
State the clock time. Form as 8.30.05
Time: 4.53.51
